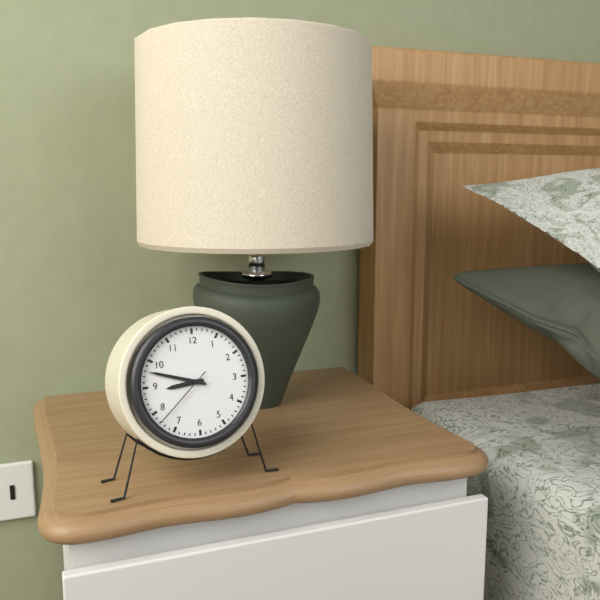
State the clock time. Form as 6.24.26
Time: 8.48.38
